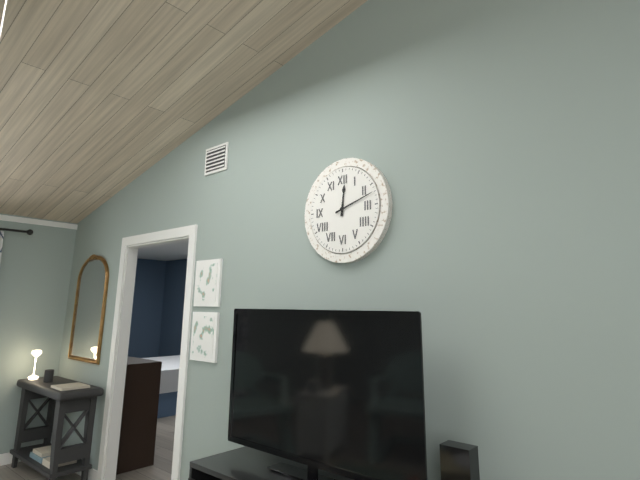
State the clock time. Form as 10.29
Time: 12.12
